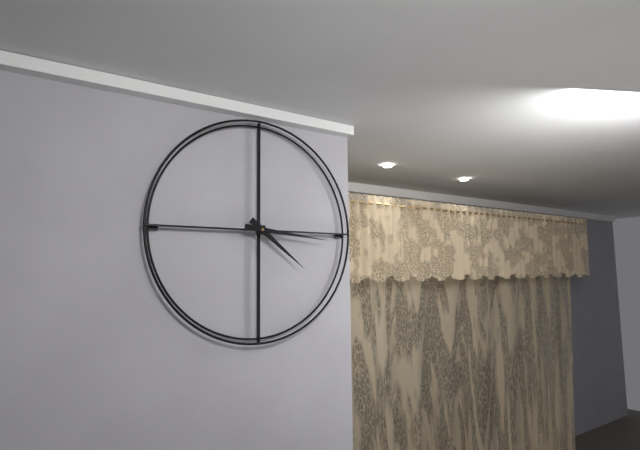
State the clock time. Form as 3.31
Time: 4.16
